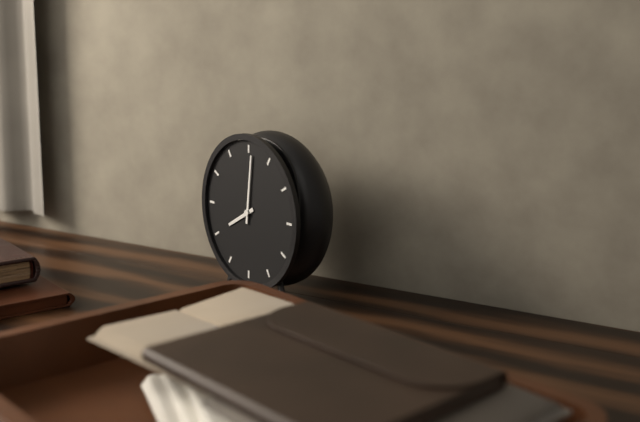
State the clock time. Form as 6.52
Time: 8.01
